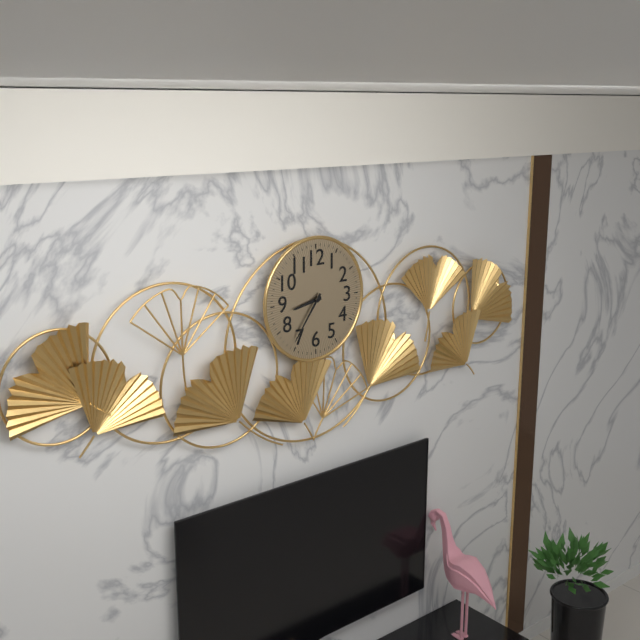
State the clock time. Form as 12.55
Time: 8.36
